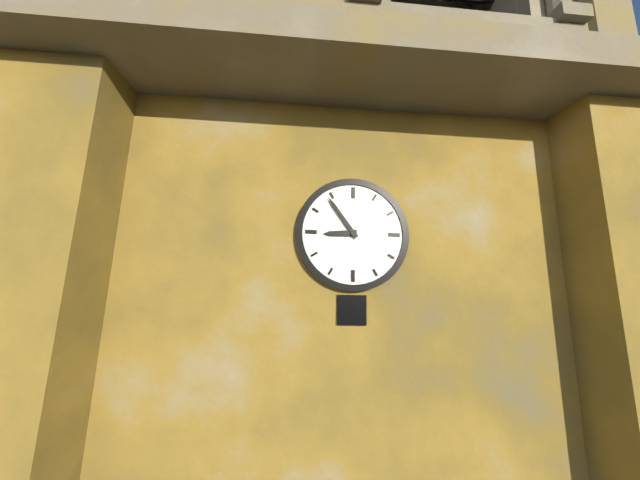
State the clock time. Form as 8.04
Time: 8.54
